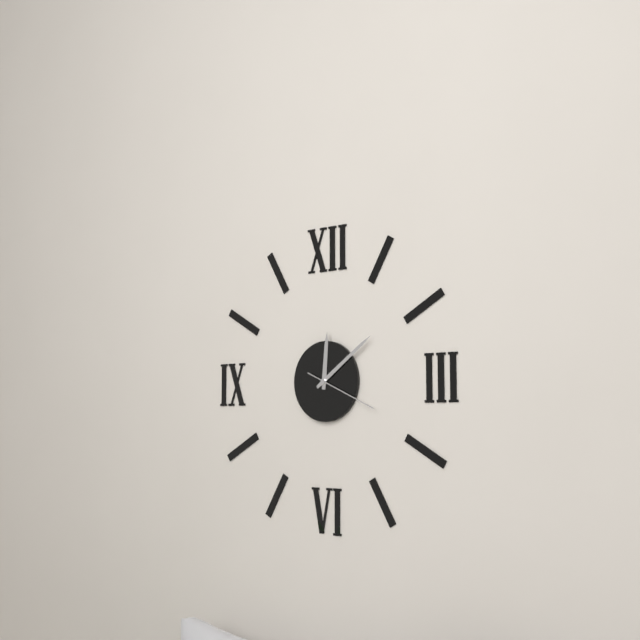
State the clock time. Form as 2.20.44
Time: 12.09.19
